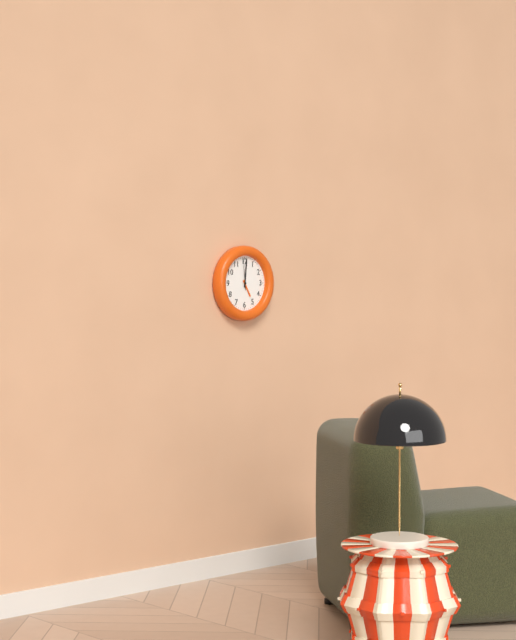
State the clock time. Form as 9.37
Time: 5.01
